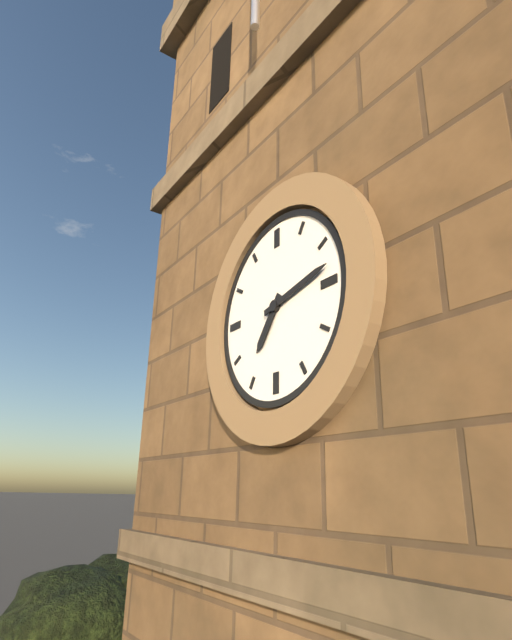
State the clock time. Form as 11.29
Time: 7.13
